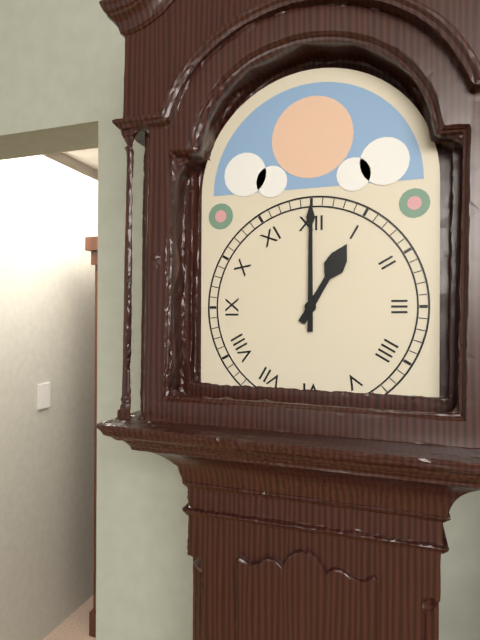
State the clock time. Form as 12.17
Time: 1.00
